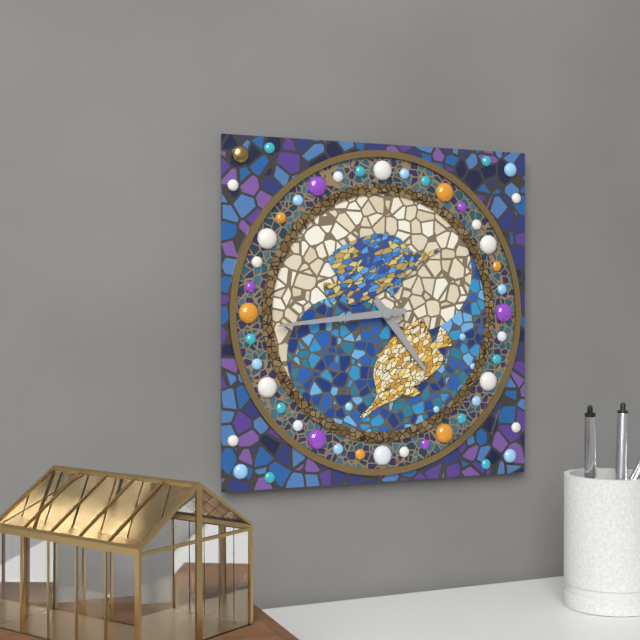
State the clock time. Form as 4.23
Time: 4.44
